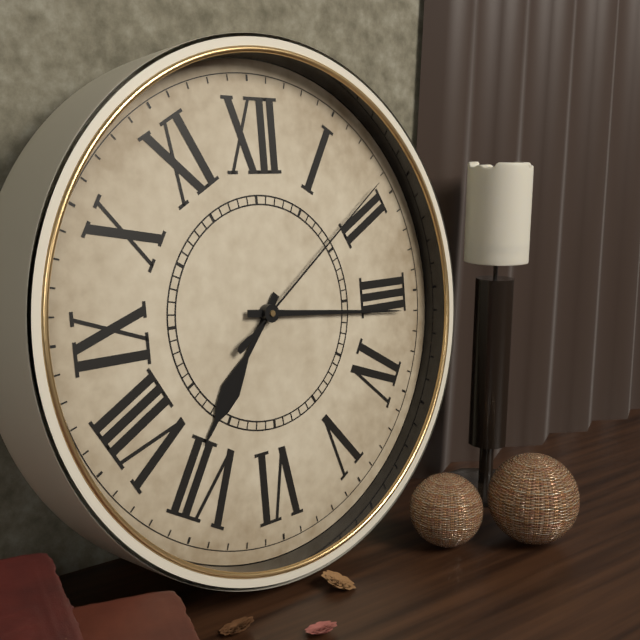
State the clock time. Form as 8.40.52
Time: 7.16.09
